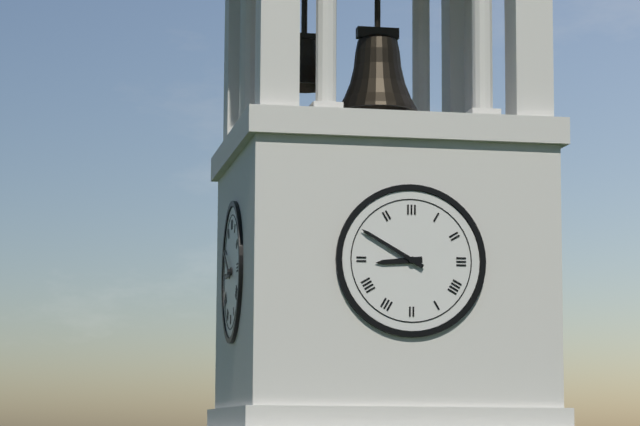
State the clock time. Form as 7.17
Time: 8.50
